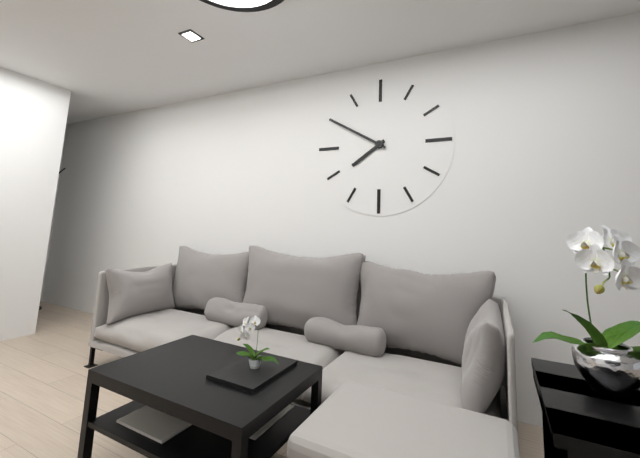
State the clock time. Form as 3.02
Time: 7.50
